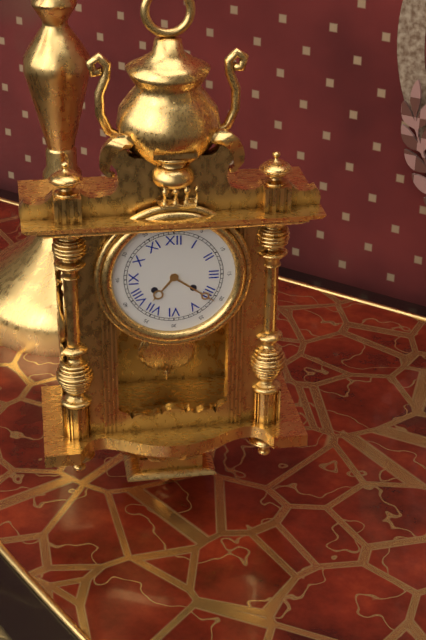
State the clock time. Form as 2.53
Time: 7.21
